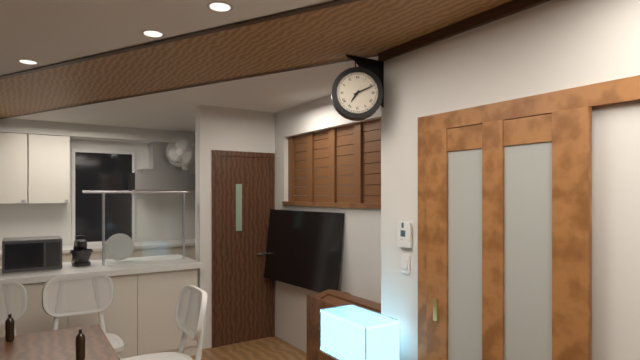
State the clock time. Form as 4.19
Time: 7.11
